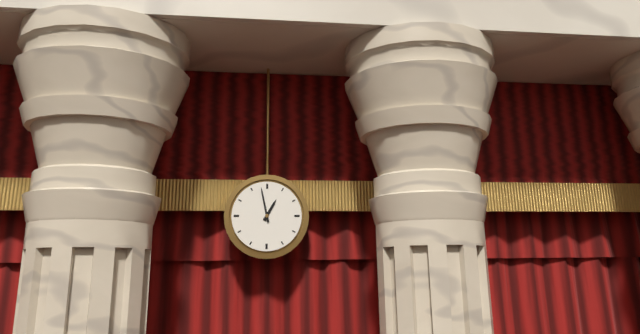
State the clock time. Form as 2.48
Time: 12.58
